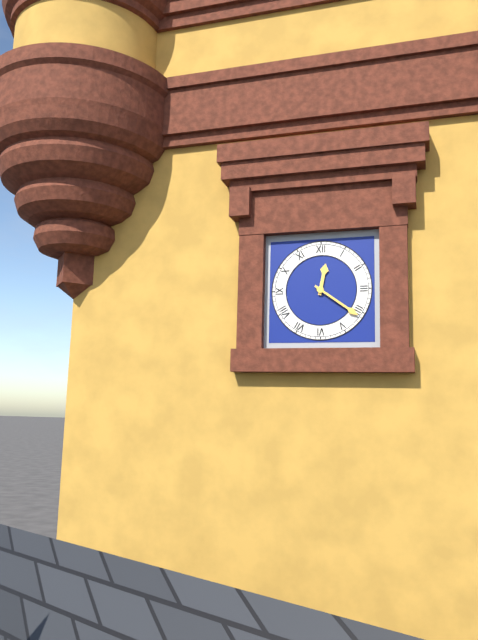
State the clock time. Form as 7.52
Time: 12.21
